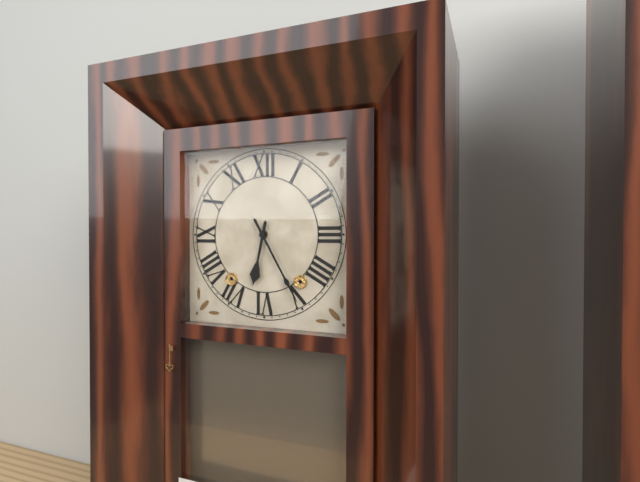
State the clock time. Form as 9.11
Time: 6.25
